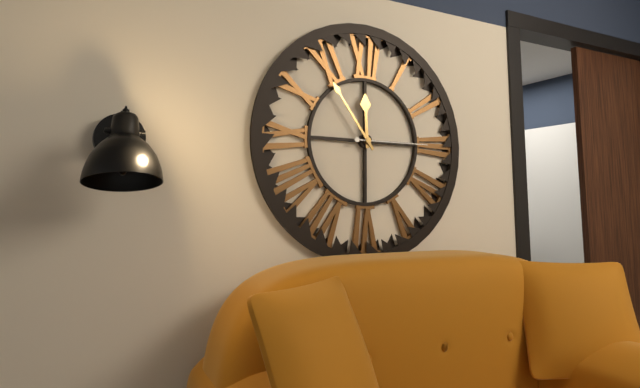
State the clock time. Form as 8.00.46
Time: 11.54.15
